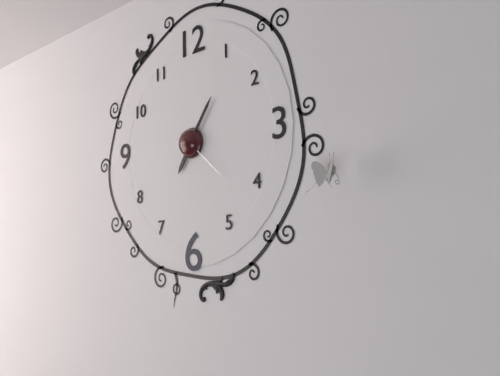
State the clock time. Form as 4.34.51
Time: 7.06.22
